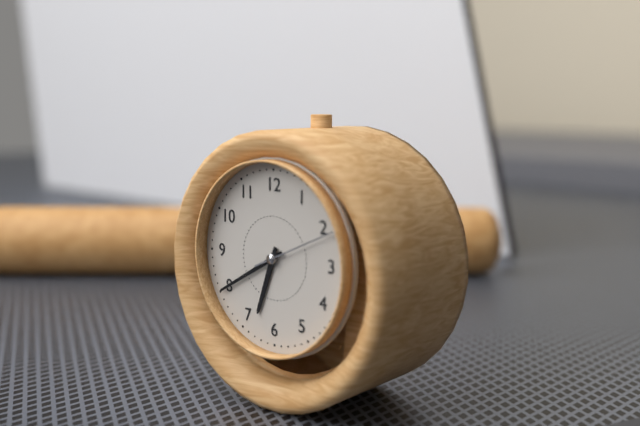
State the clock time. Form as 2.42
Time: 6.40
